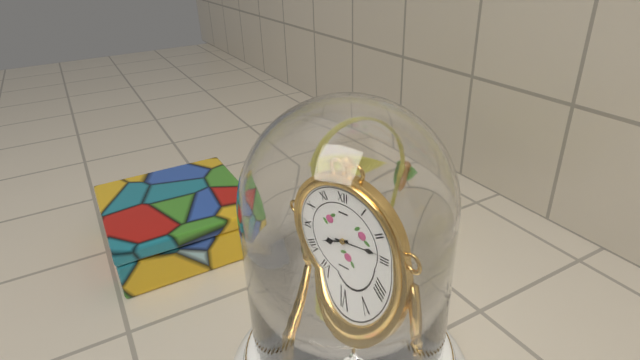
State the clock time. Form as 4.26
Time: 8.14
